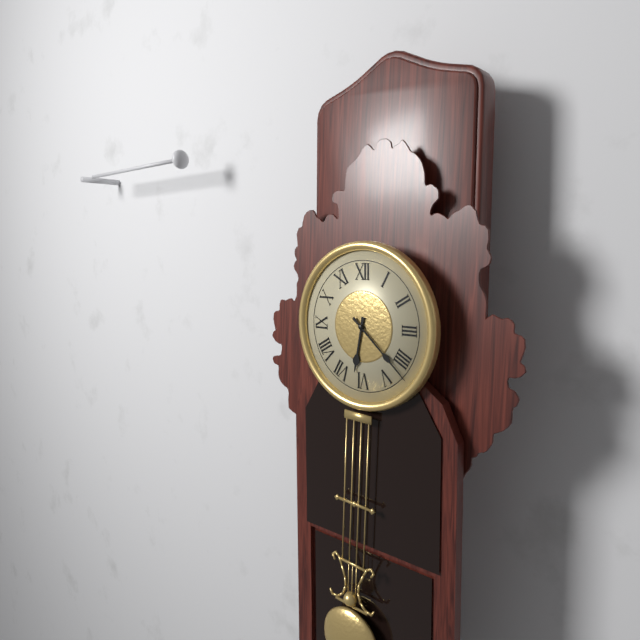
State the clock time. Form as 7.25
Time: 6.22
